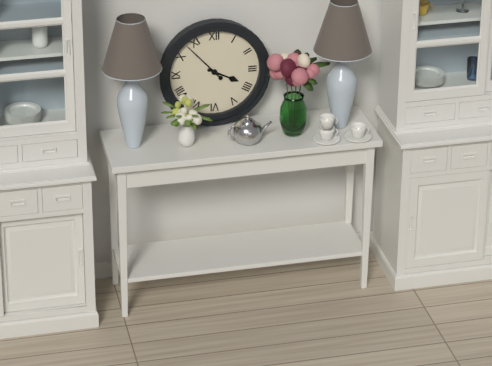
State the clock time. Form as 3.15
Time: 3.53
